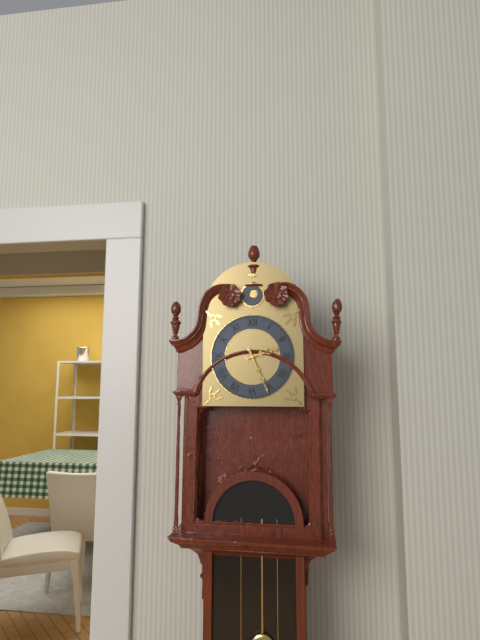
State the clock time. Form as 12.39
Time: 2.26
